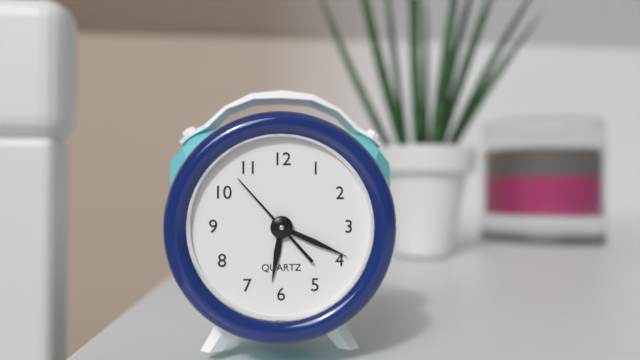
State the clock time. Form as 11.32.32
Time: 6.19.53
